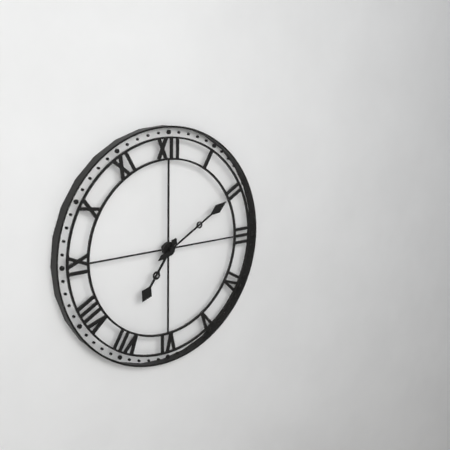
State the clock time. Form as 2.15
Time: 7.10
